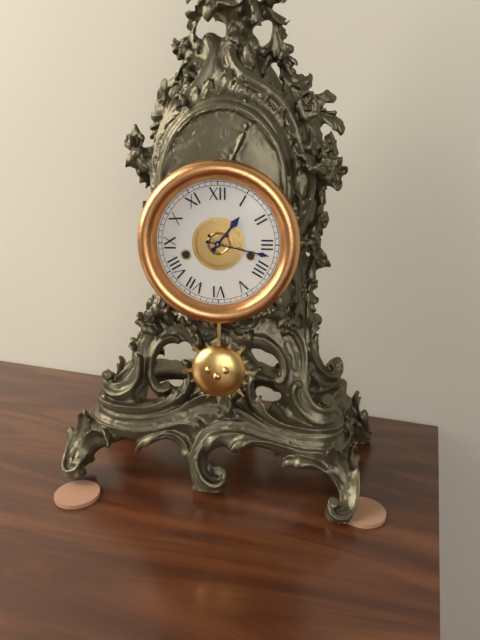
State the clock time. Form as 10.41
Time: 1.17
